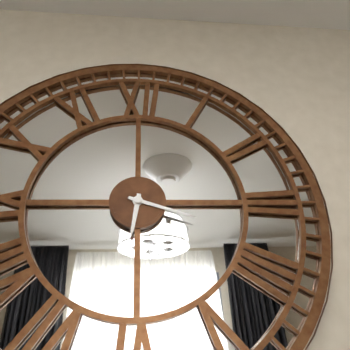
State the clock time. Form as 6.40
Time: 6.18
